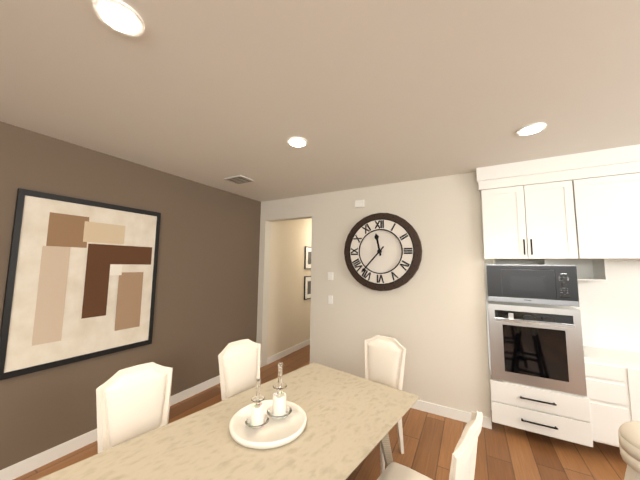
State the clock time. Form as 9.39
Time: 11.37
